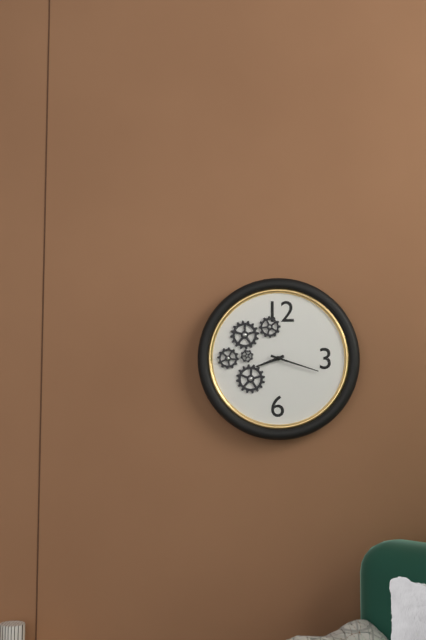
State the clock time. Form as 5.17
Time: 8.18
